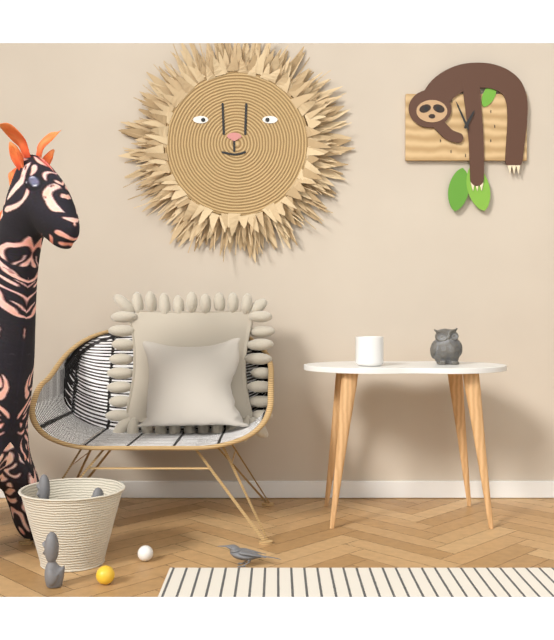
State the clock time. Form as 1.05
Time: 12.56
